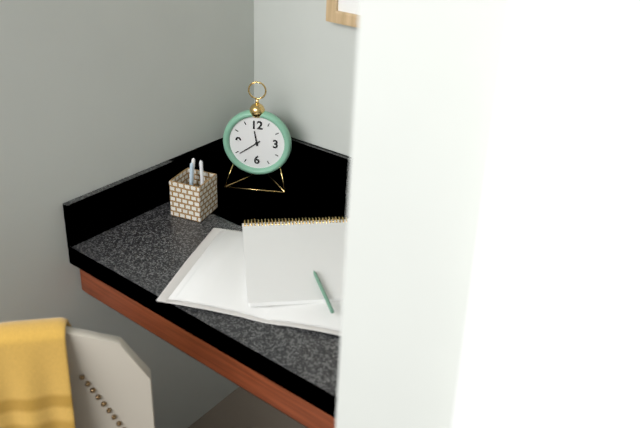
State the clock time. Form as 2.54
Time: 11.39
